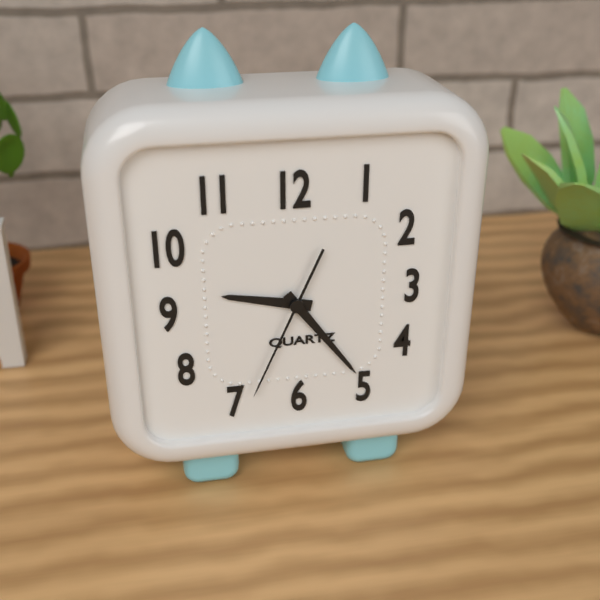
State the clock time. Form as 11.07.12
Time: 9.24.34
